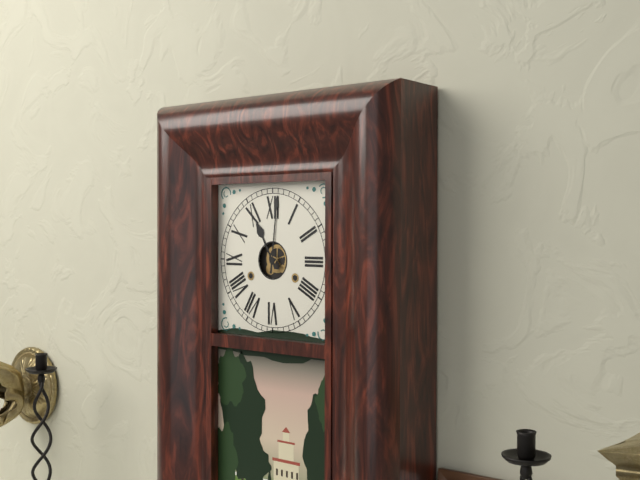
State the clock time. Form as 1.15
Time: 11.01
